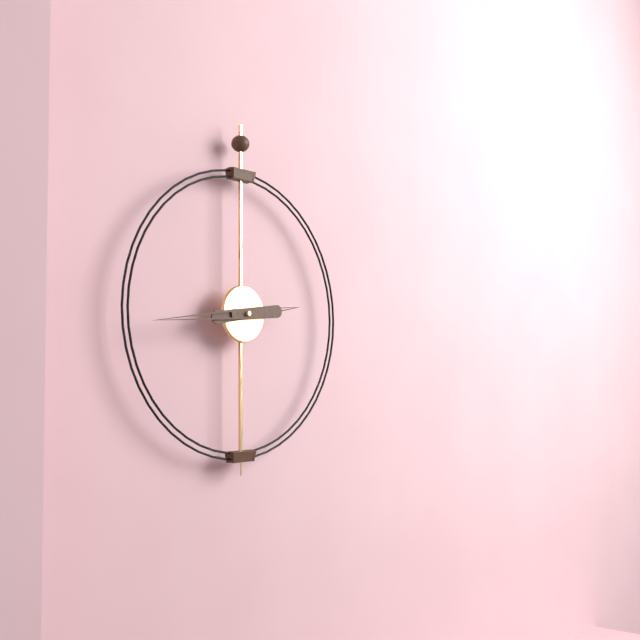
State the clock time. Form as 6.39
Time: 2.44
